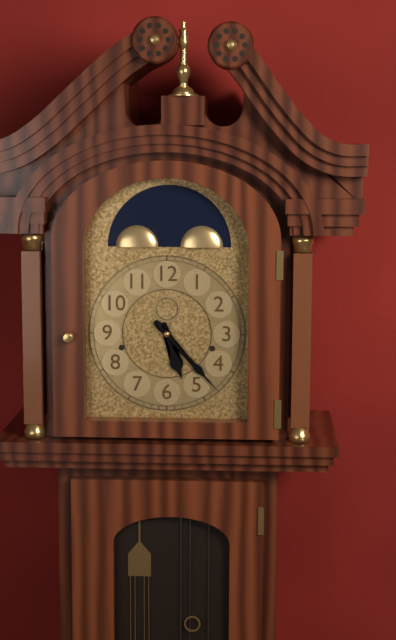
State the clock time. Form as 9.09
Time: 5.23
